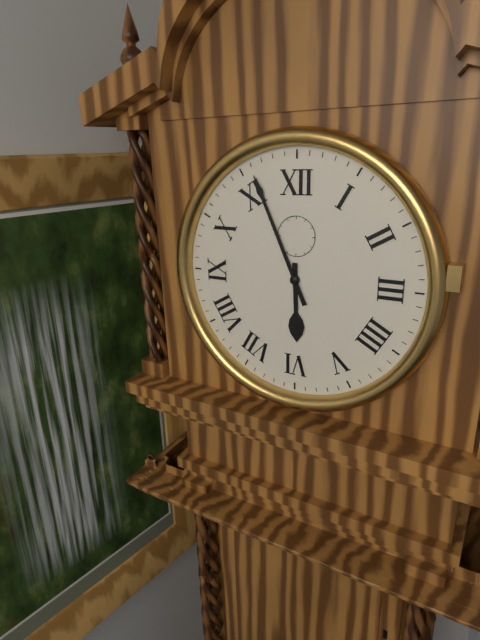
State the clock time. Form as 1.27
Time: 5.56
